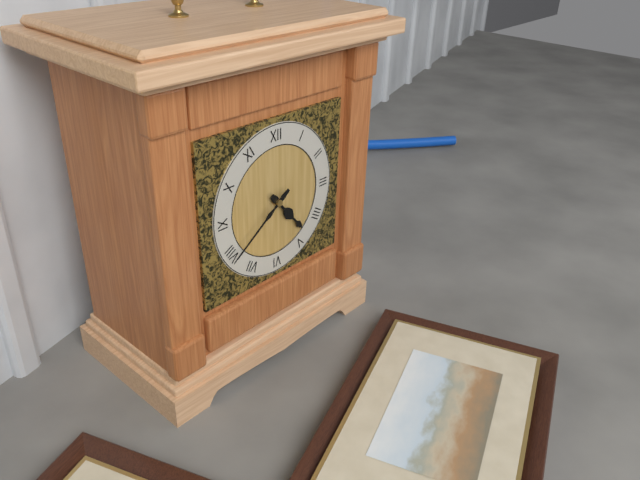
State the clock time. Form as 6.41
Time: 4.39
